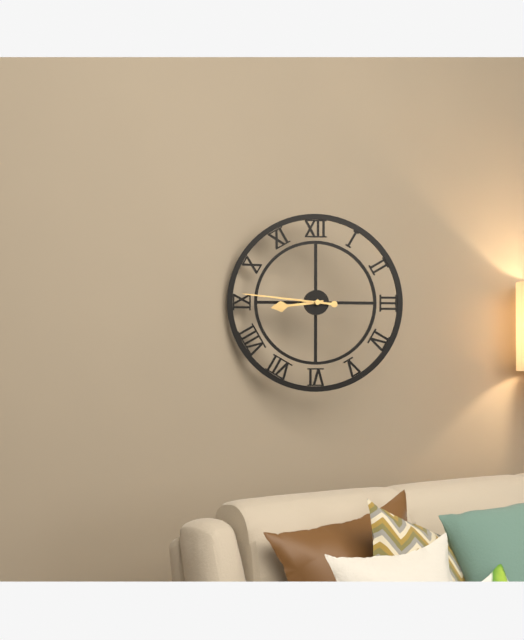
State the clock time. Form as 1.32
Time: 8.46
